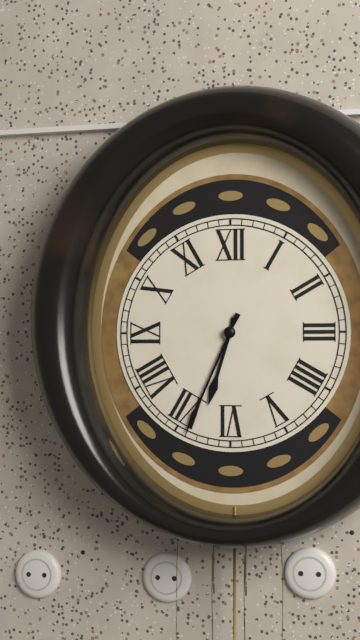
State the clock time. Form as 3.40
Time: 6.34
